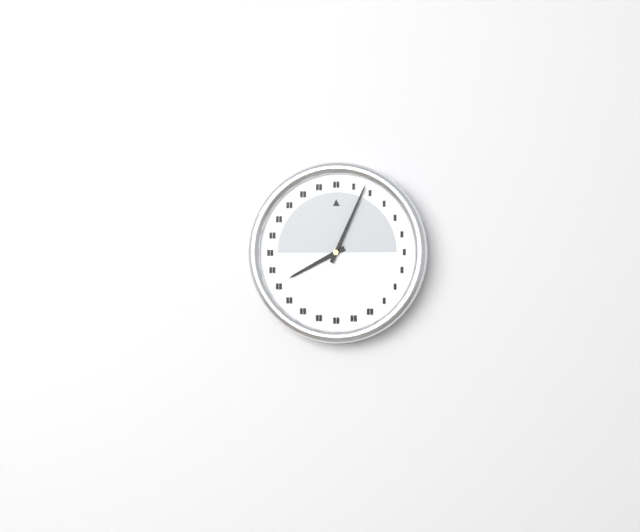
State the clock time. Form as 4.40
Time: 8.04
